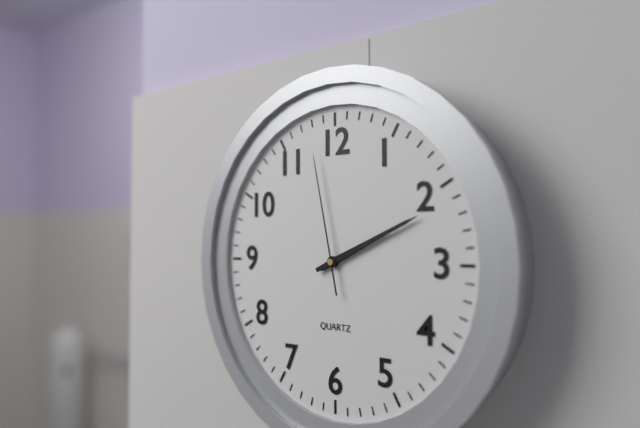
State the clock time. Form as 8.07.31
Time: 2.11.58
